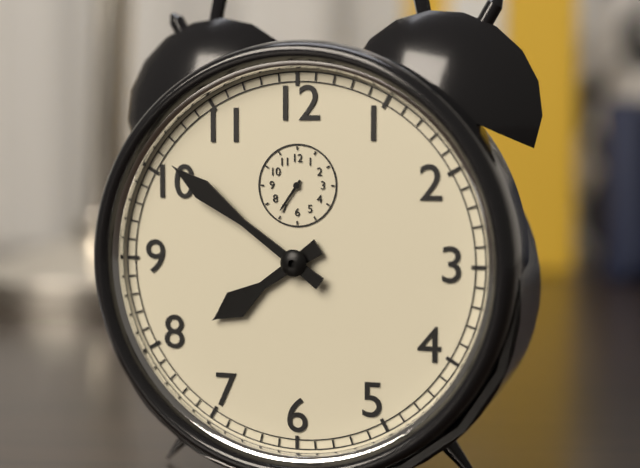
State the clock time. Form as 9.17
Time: 7.51
